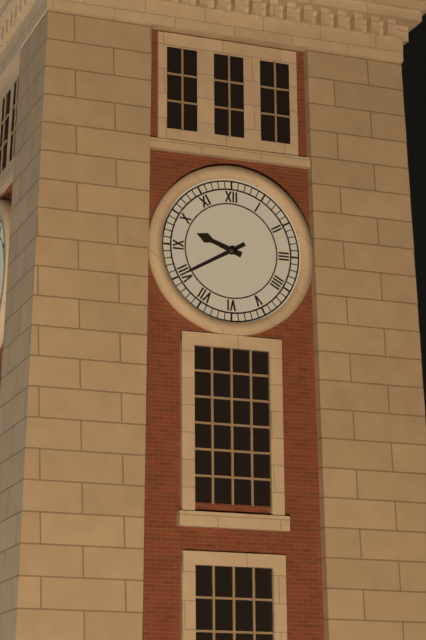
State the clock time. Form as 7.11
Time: 9.40
